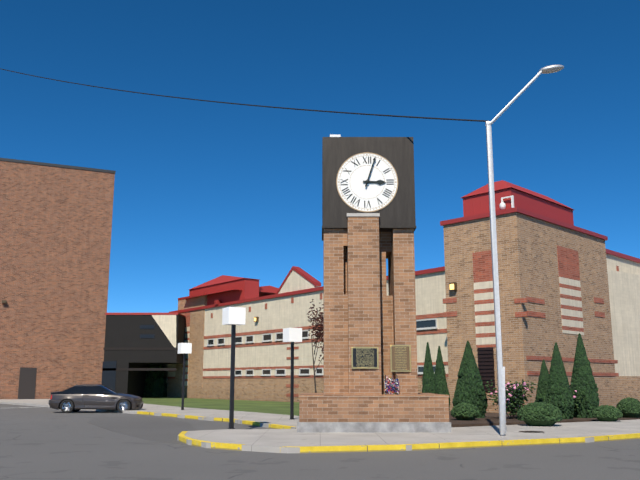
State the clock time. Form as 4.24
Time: 3.03
